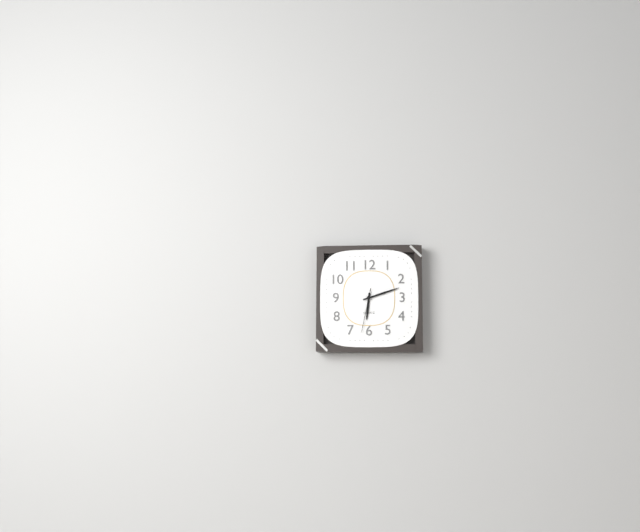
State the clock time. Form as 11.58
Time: 6.12
